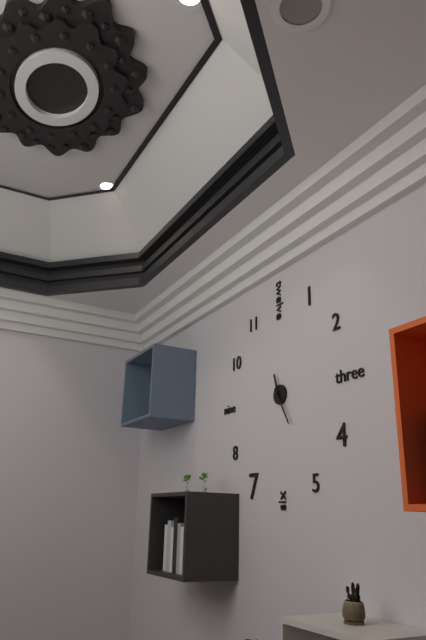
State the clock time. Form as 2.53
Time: 11.25
